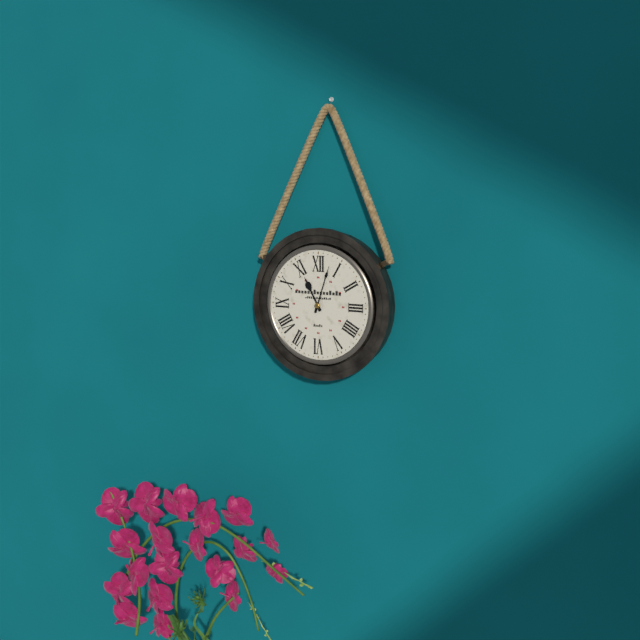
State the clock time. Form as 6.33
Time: 11.03
